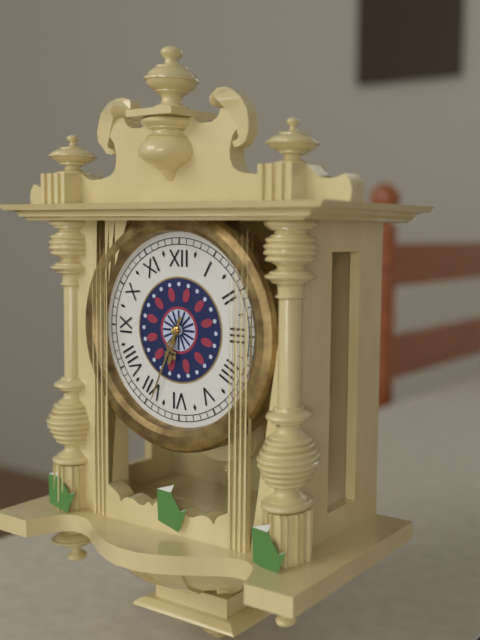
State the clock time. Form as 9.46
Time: 6.34
